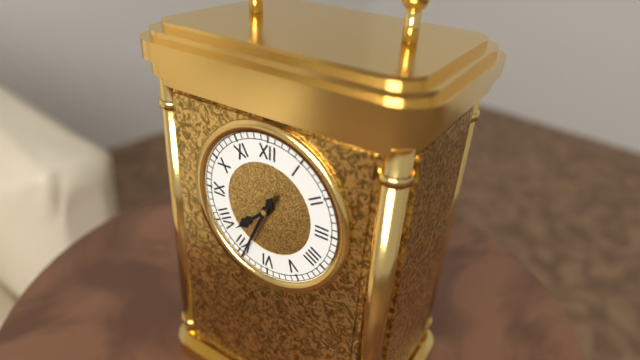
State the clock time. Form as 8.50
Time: 7.34
